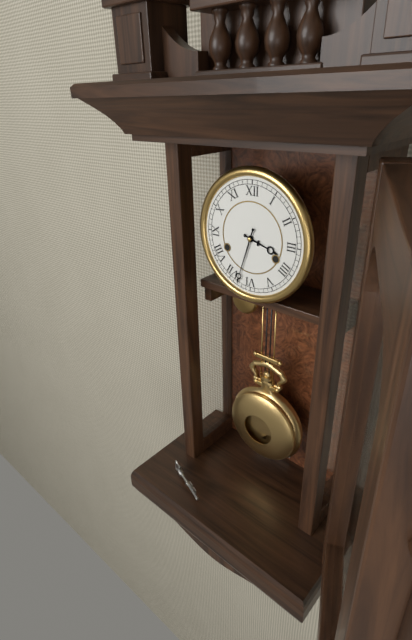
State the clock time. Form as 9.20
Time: 3.33
